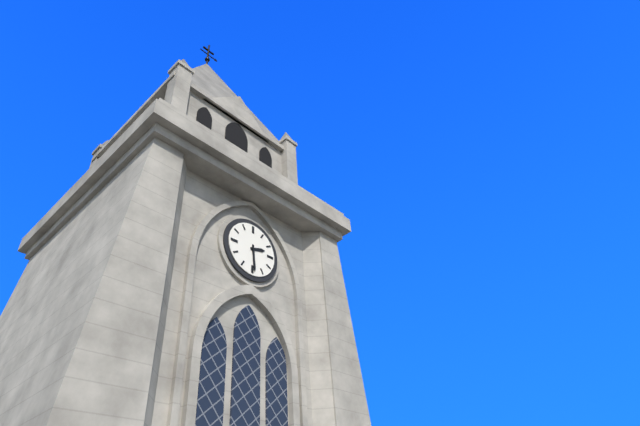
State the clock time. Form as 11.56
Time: 2.29
